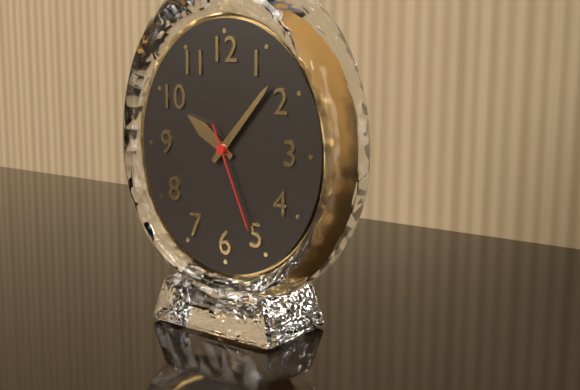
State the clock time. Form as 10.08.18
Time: 10.07.26
